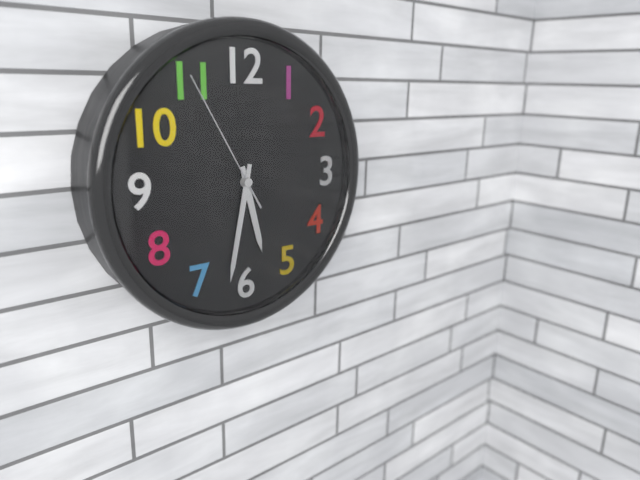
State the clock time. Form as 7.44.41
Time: 5.32.55
